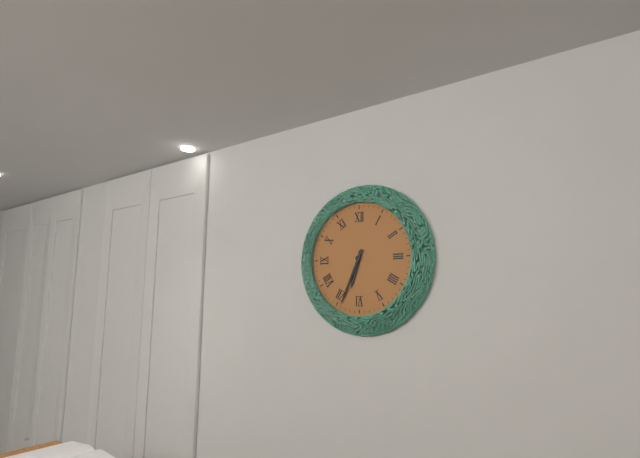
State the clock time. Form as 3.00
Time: 6.34
